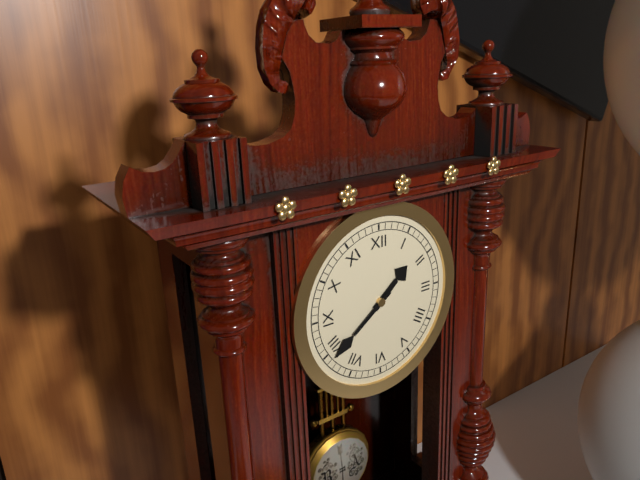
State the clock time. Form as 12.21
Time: 1.39
